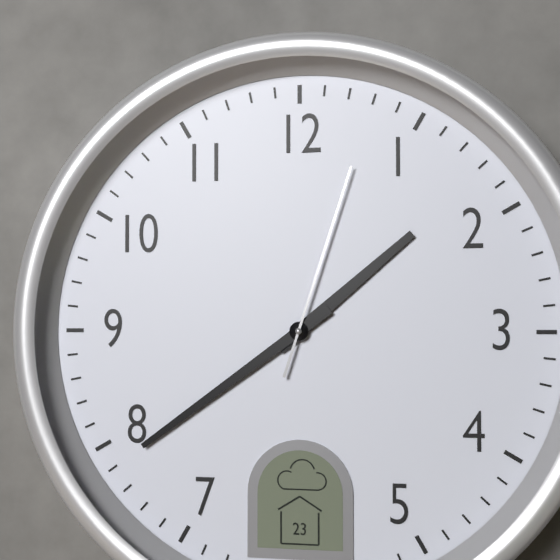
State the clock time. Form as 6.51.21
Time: 1.39.03
